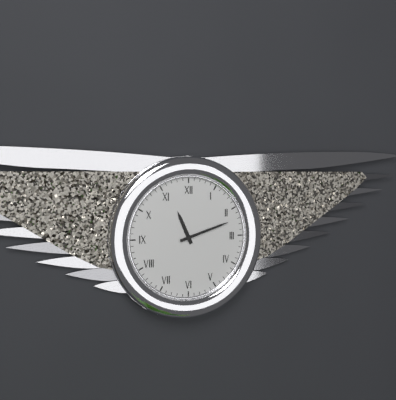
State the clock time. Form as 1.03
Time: 11.12
